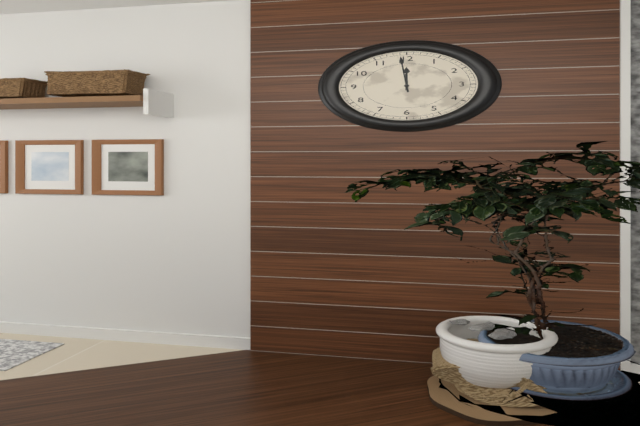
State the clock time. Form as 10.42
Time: 11.59
